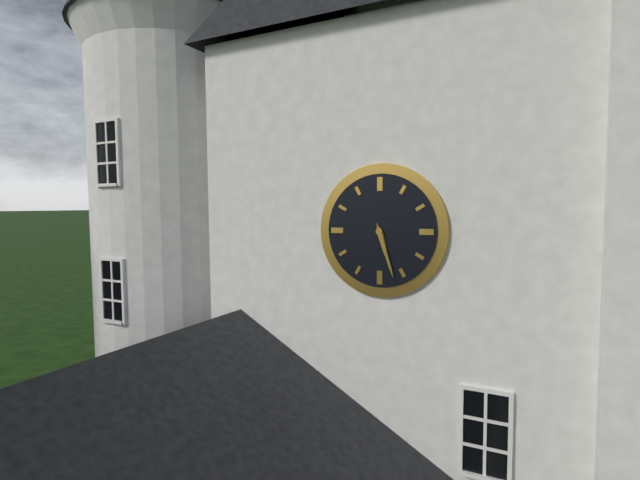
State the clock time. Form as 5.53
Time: 5.27
